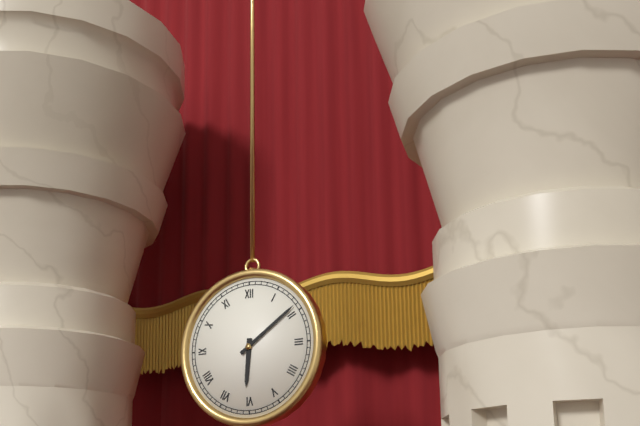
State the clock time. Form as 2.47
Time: 6.09
